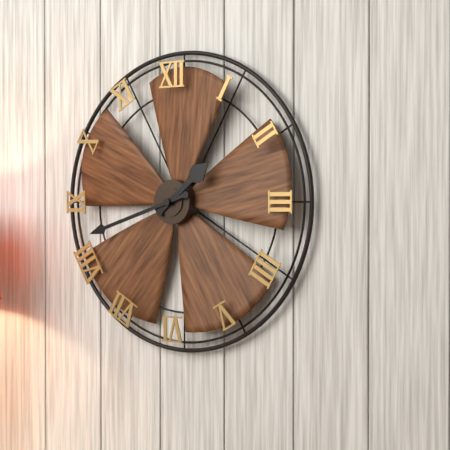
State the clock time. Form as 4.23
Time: 1.42
